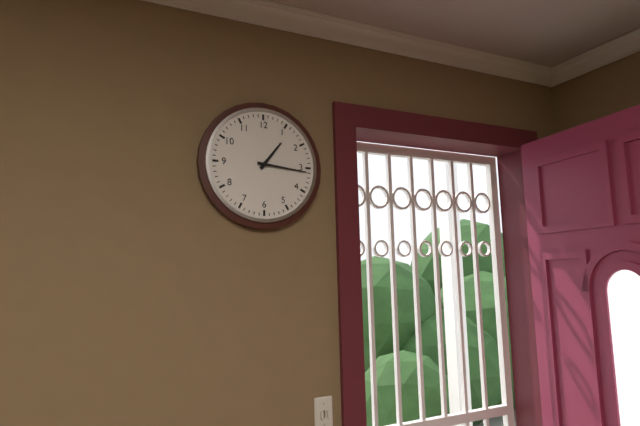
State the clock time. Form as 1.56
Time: 1.16
